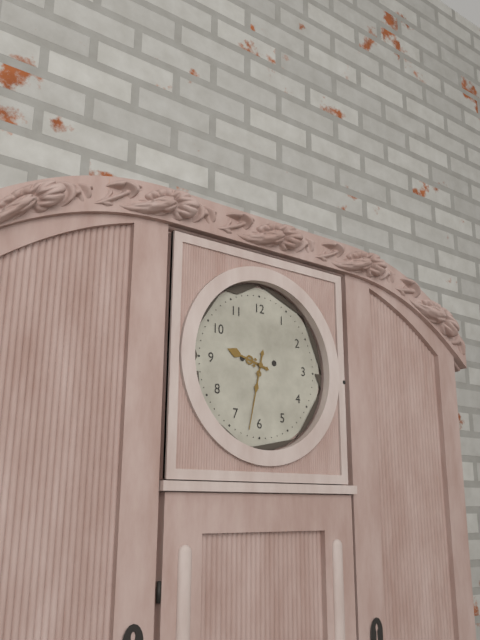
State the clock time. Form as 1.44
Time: 9.32
